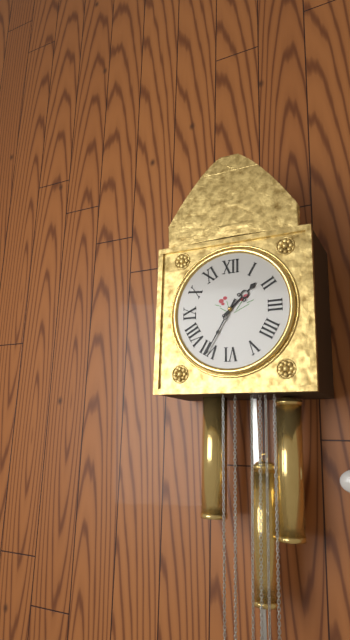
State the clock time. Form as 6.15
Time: 1.35
